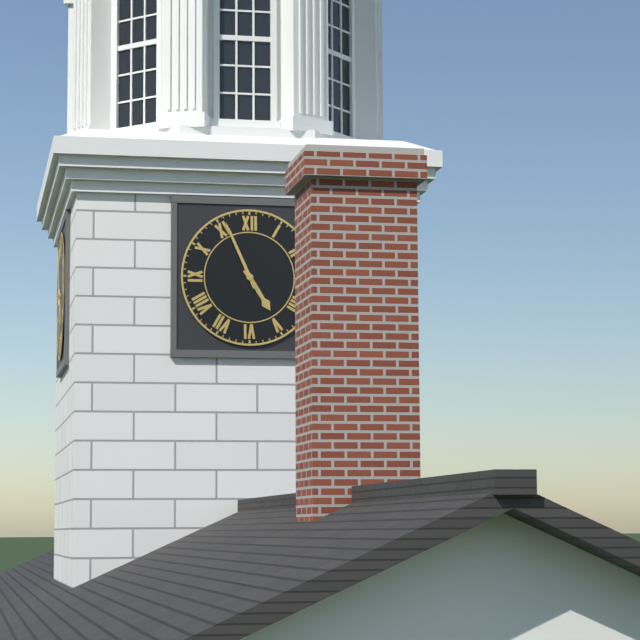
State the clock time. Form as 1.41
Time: 4.56
